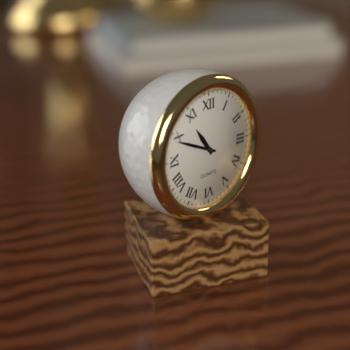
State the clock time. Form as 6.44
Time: 10.49
